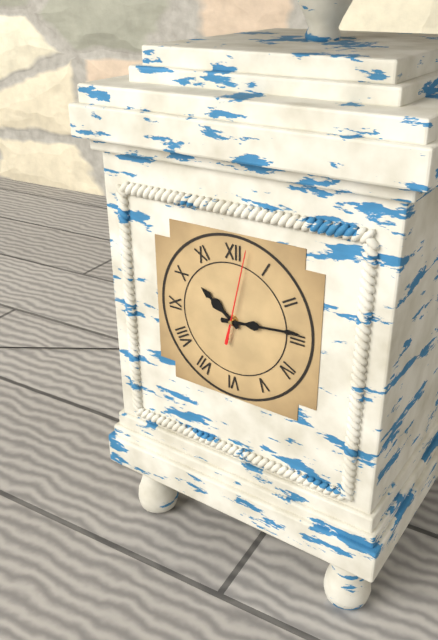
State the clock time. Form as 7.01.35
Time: 10.14.02
